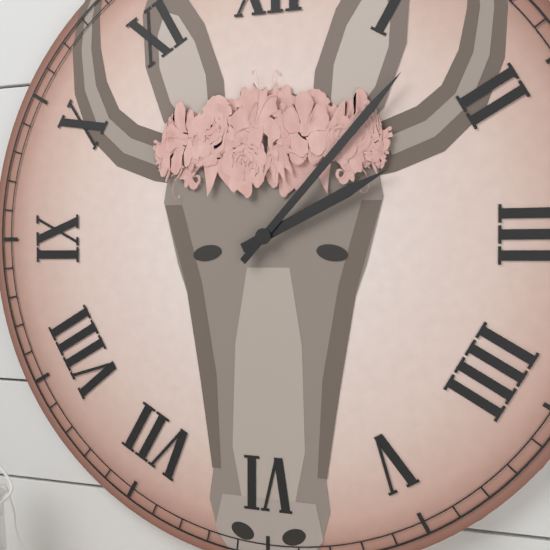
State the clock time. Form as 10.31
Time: 2.07
